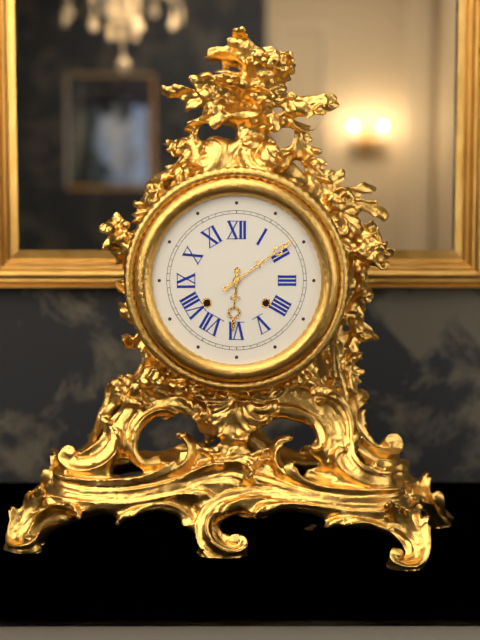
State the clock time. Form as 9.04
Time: 6.09
